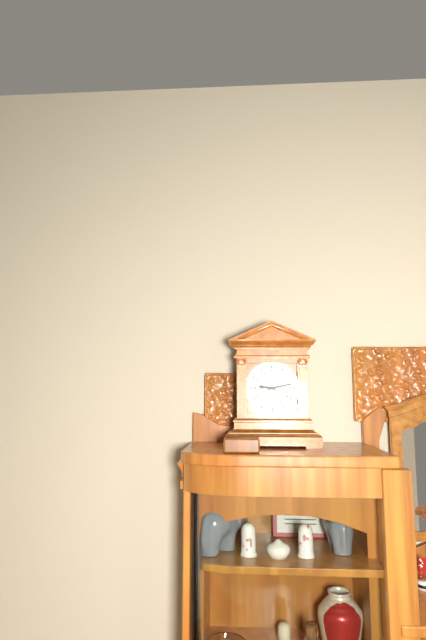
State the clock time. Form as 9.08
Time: 9.13
